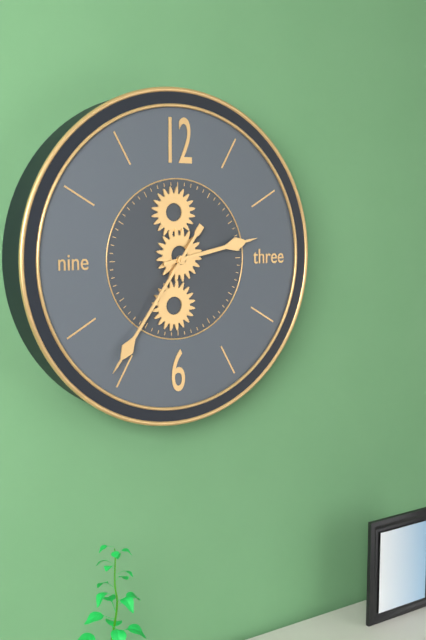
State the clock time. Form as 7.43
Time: 2.36
